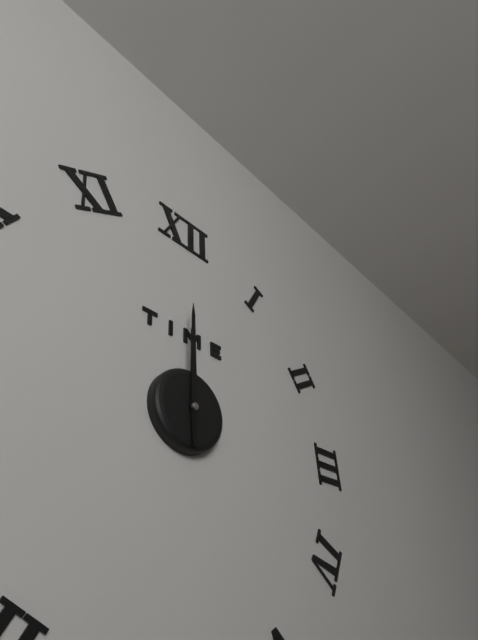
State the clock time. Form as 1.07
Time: 12.00
